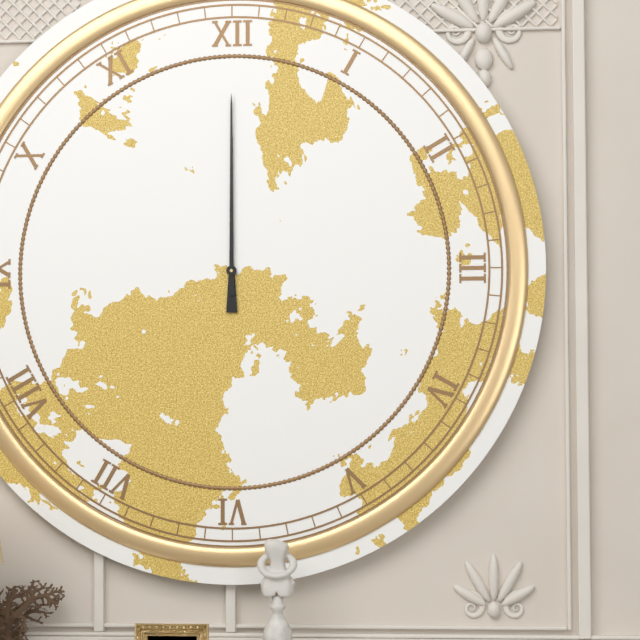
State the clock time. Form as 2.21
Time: 12.00
